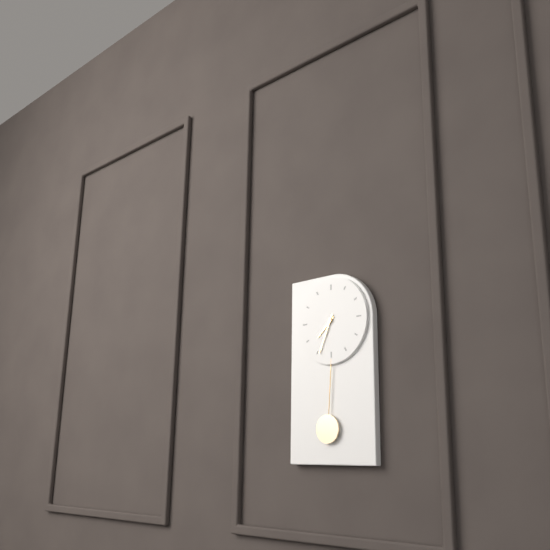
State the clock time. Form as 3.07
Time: 7.34
